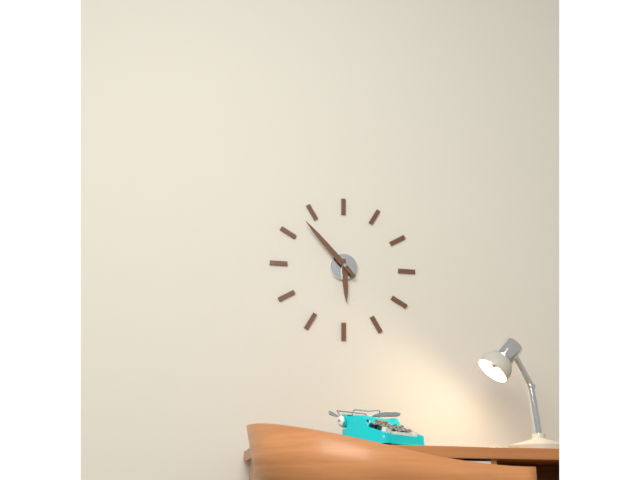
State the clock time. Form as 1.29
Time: 5.53
